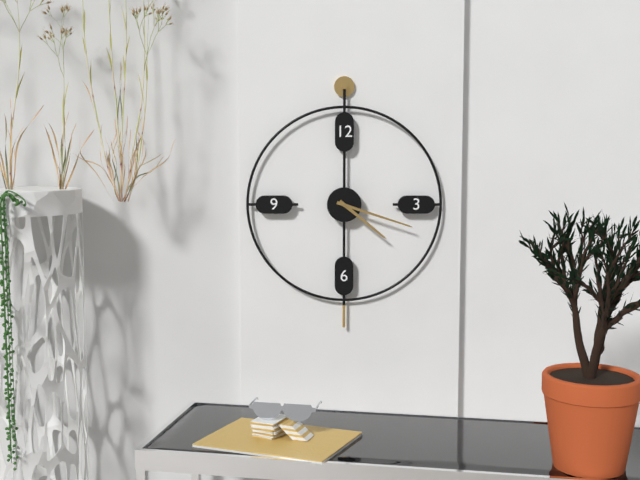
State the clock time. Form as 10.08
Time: 4.18
